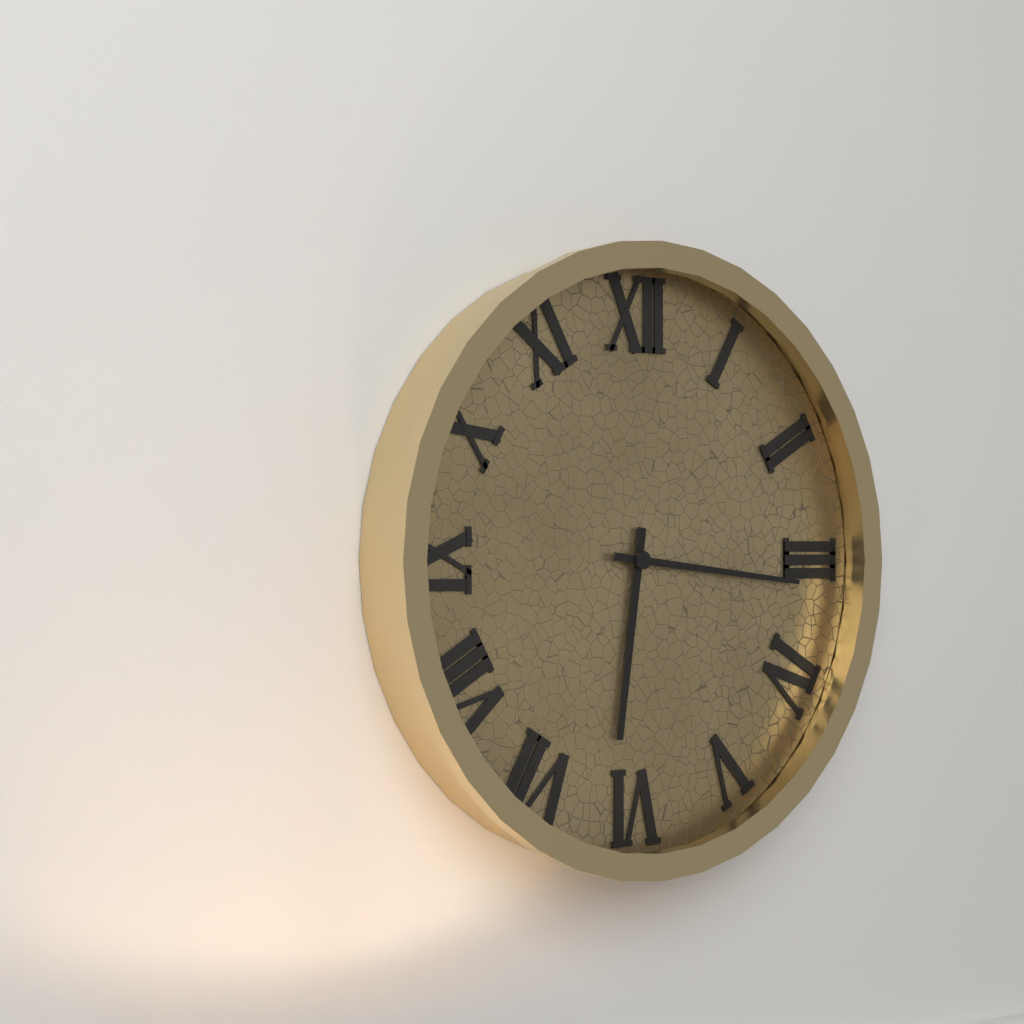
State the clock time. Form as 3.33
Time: 6.16
